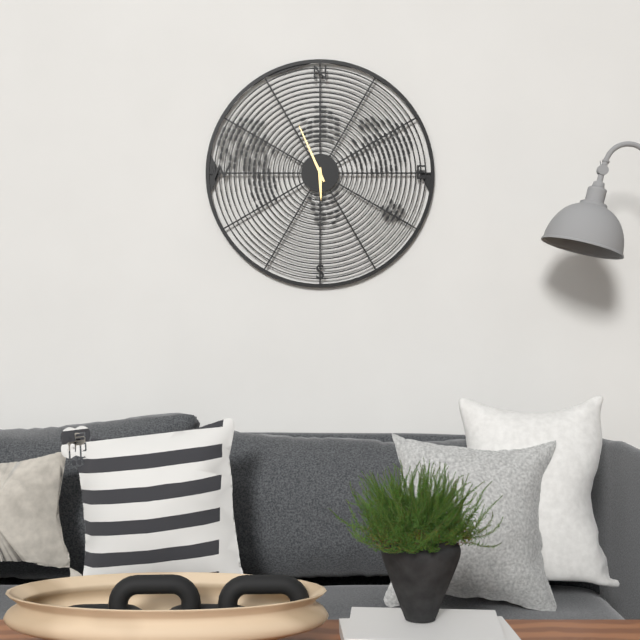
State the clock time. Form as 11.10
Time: 5.56
